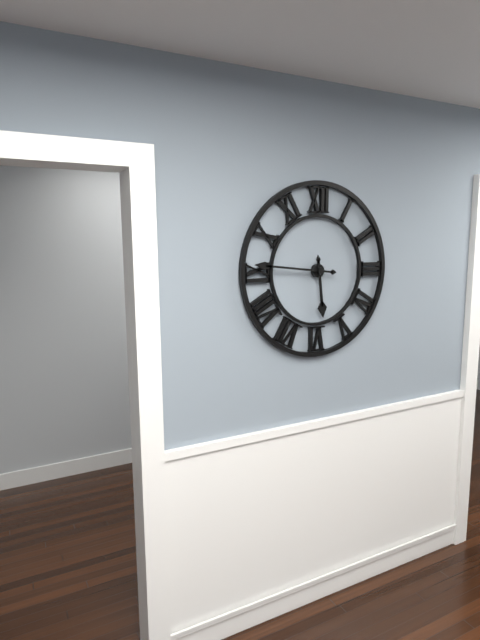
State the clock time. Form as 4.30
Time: 5.46
